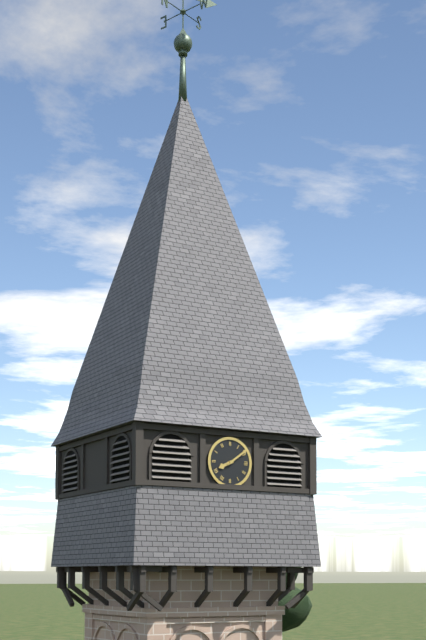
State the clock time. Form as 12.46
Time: 8.09
